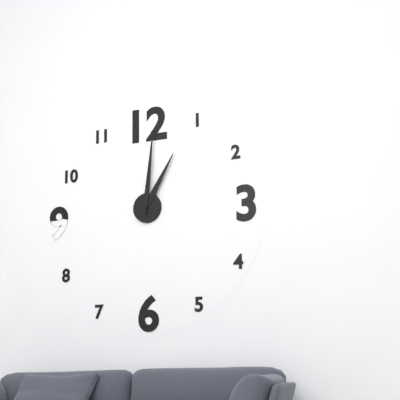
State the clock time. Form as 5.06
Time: 1.01
